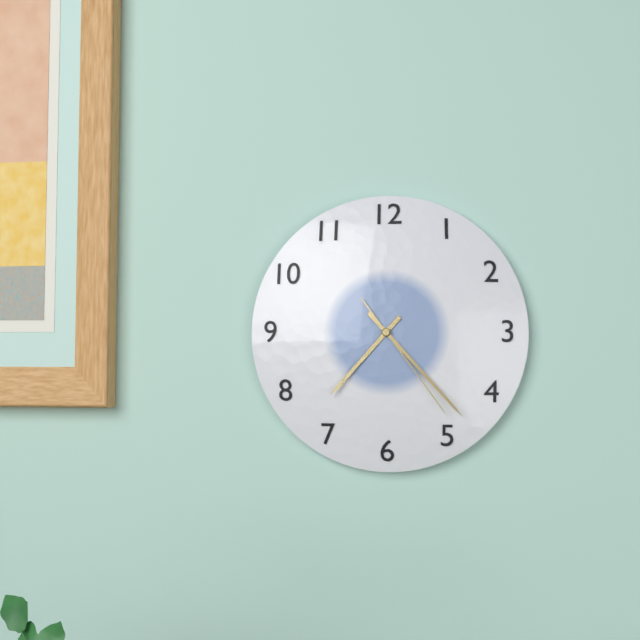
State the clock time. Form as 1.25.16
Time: 7.23.24
